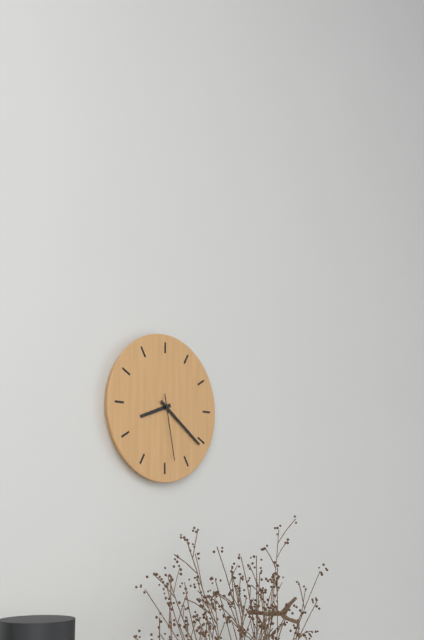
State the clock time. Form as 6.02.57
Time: 8.21.28
